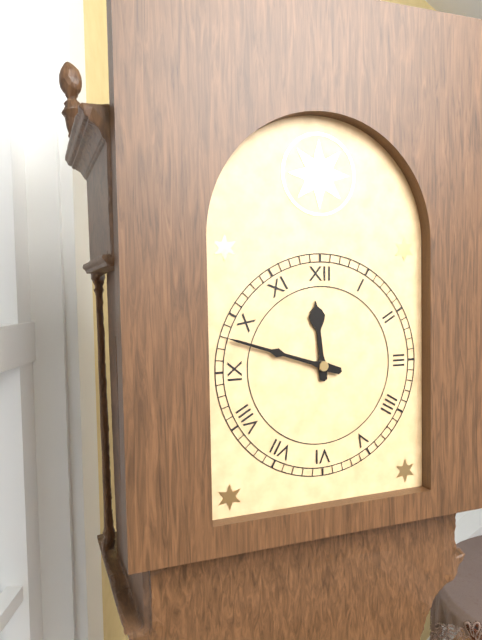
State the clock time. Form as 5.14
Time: 11.48
